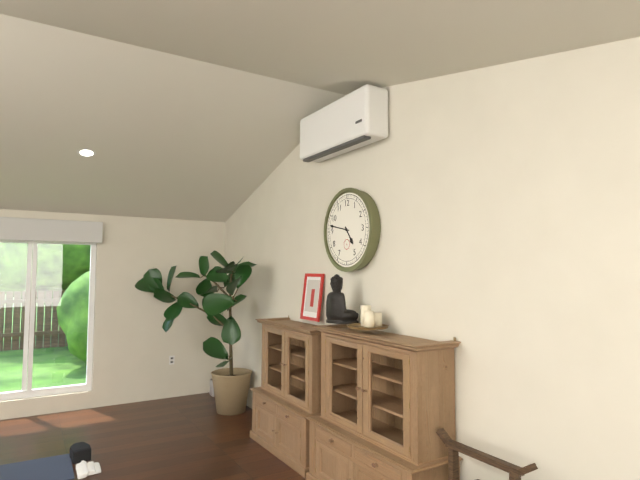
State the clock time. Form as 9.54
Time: 4.47
